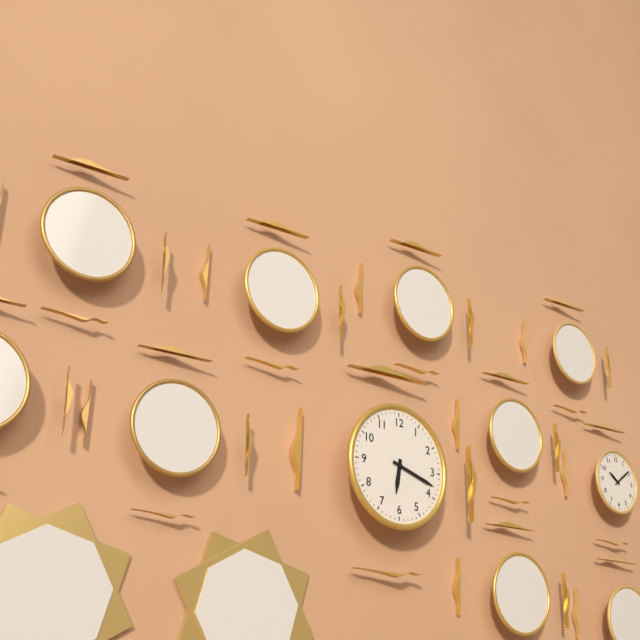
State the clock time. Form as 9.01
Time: 6.18
